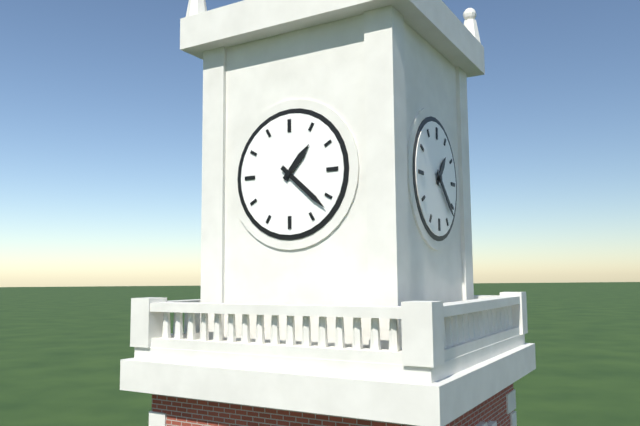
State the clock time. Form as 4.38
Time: 1.22
